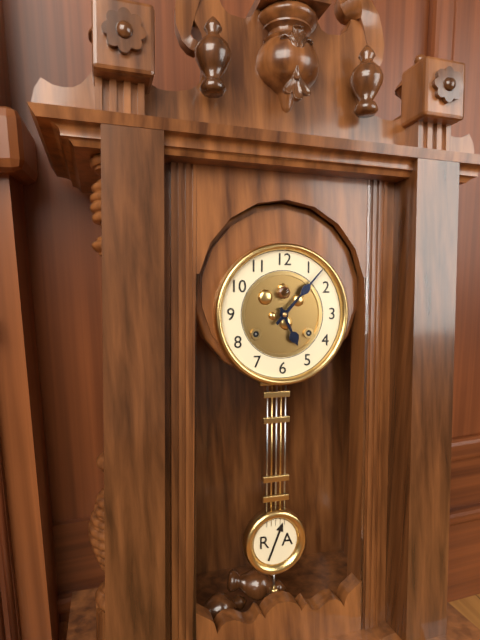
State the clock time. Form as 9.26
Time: 5.07
